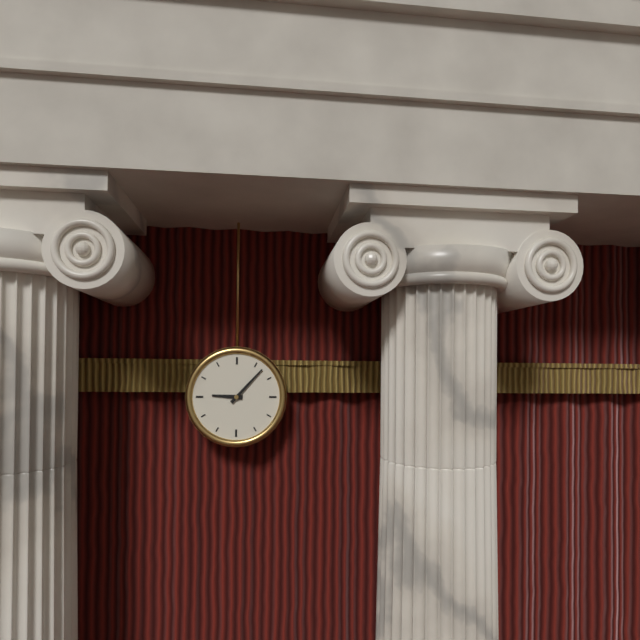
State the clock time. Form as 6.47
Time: 9.07
